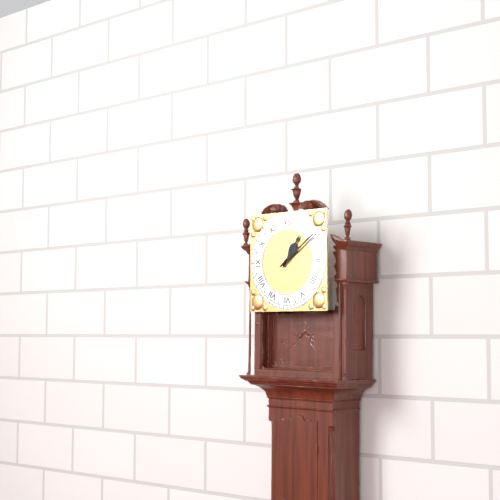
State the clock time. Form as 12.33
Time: 1.09
